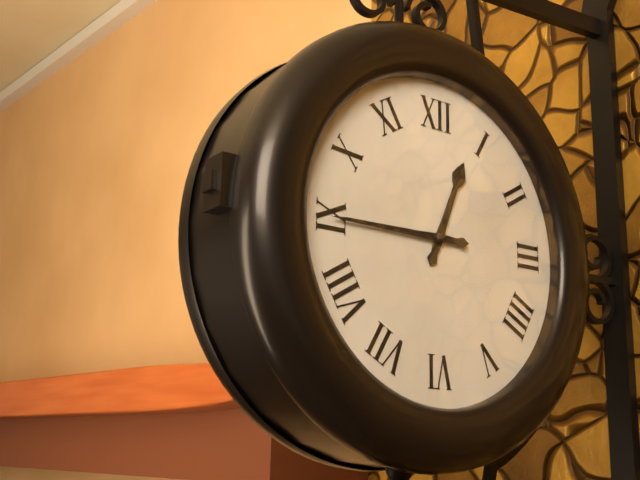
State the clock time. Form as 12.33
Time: 12.45
